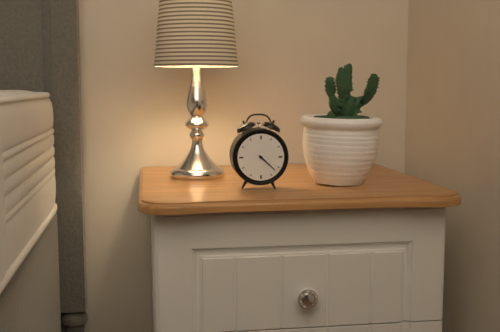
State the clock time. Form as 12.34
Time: 4.22
